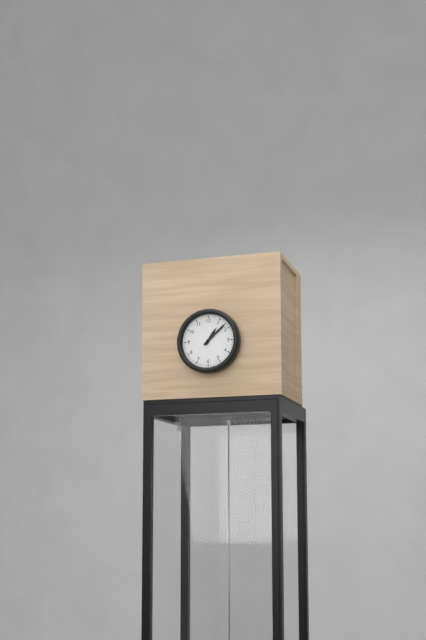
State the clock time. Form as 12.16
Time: 1.08
